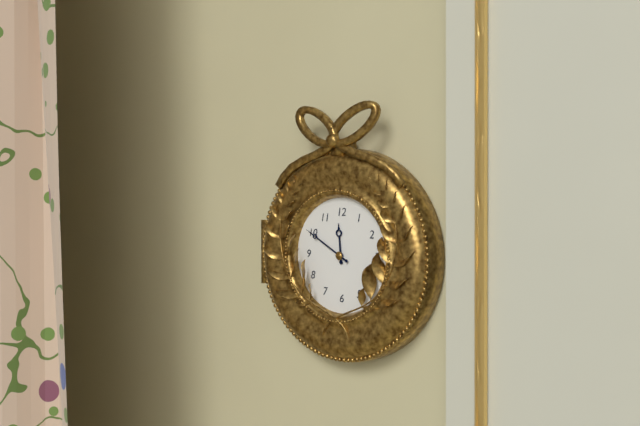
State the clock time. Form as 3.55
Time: 11.50
